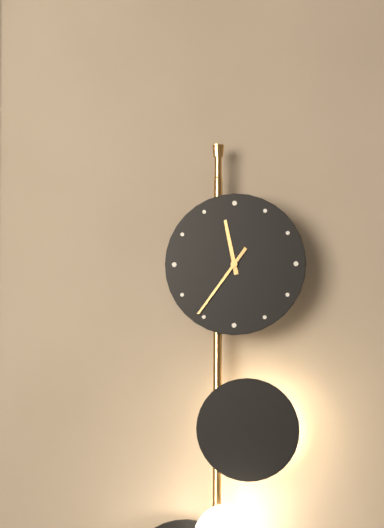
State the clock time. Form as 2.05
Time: 11.36
